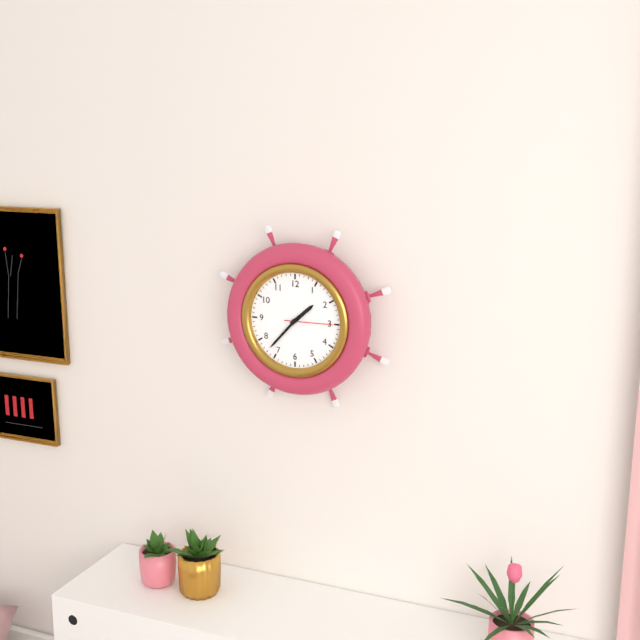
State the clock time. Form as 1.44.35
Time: 1.37.15
